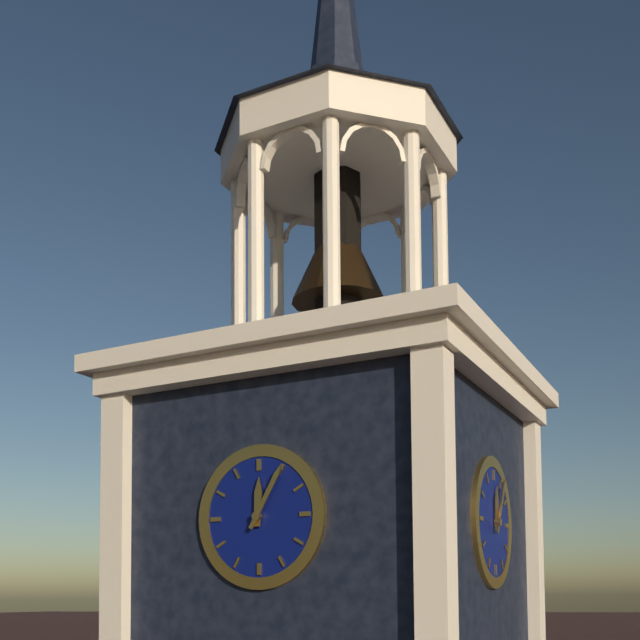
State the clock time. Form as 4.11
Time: 12.05
